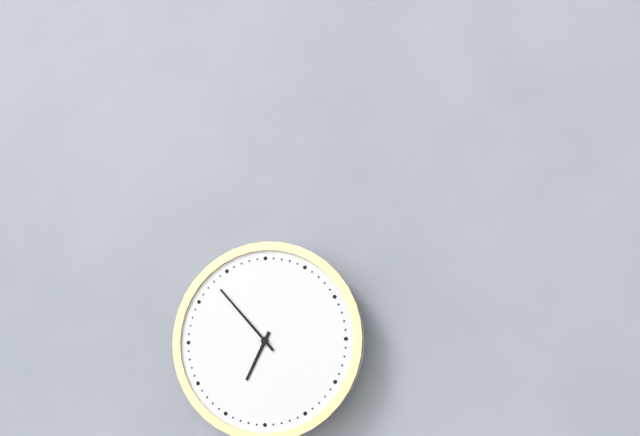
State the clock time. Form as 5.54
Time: 6.53
